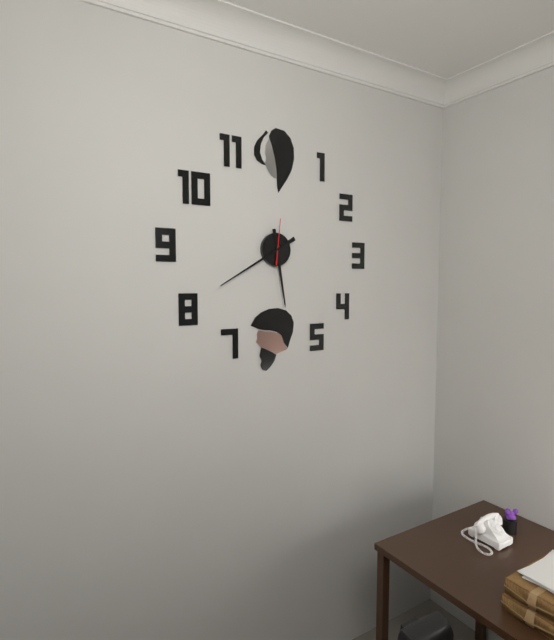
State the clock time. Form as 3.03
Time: 5.40
